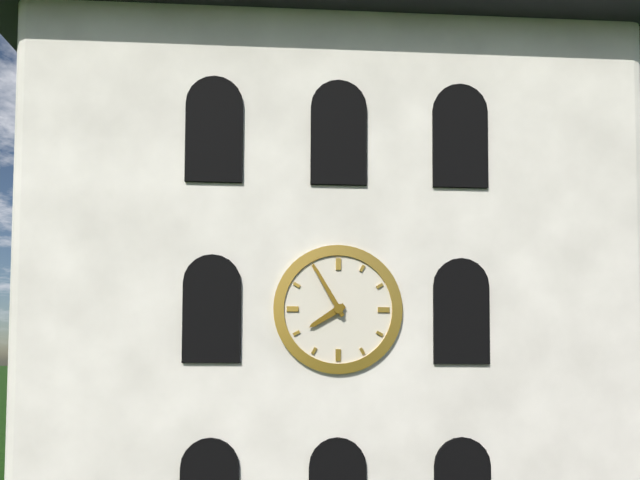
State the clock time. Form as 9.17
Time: 7.55
